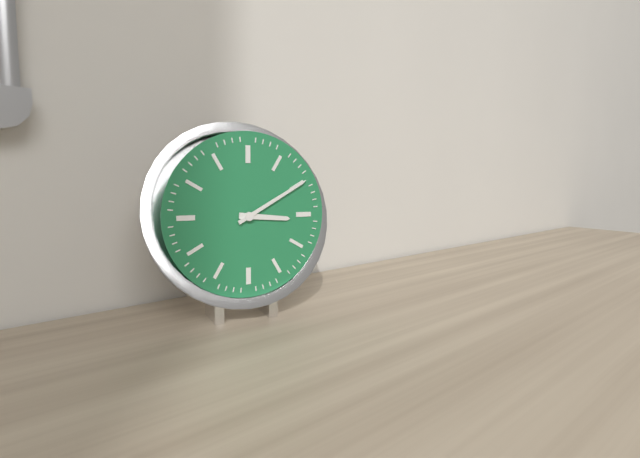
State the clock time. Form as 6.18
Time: 3.10
